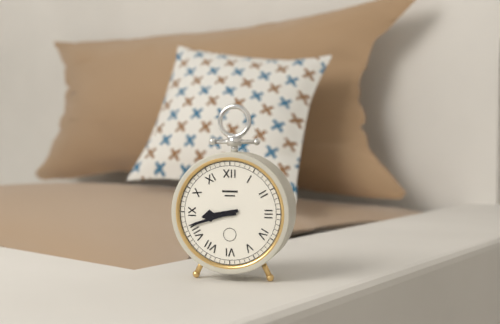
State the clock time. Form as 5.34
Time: 8.42
